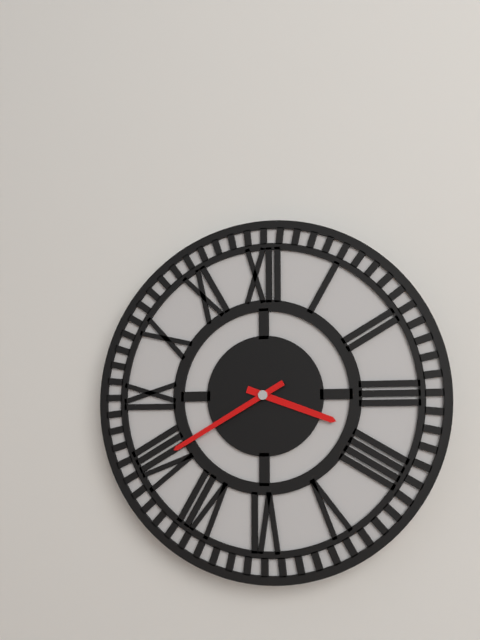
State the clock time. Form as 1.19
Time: 3.40
